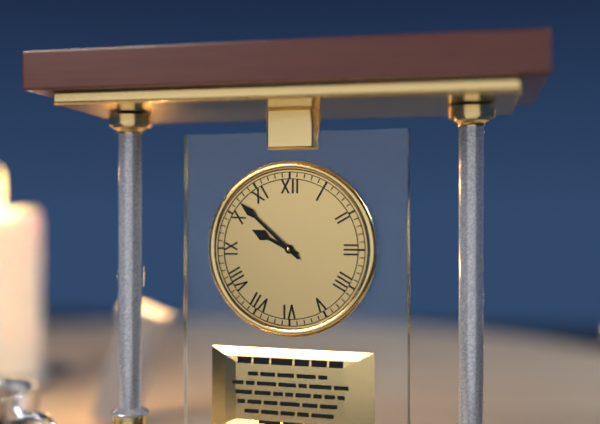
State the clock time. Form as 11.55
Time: 9.52
